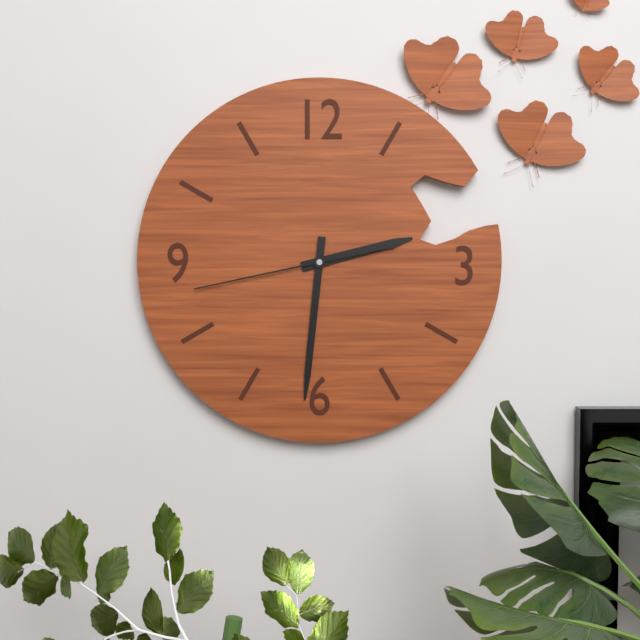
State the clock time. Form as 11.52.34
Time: 2.31.43
